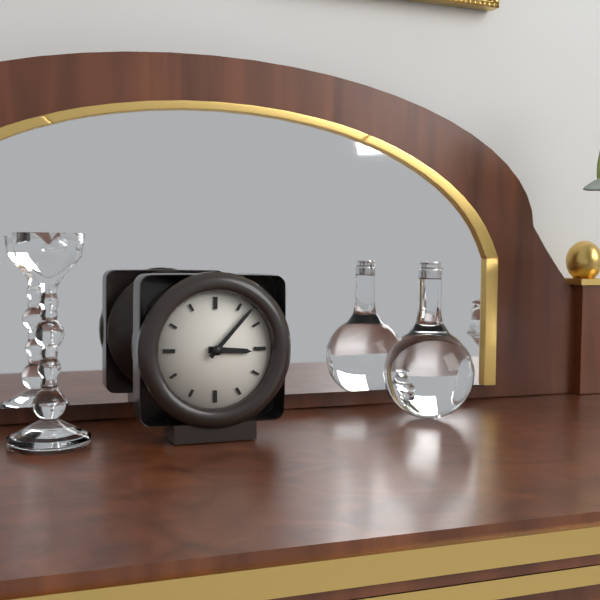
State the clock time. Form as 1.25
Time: 3.07
